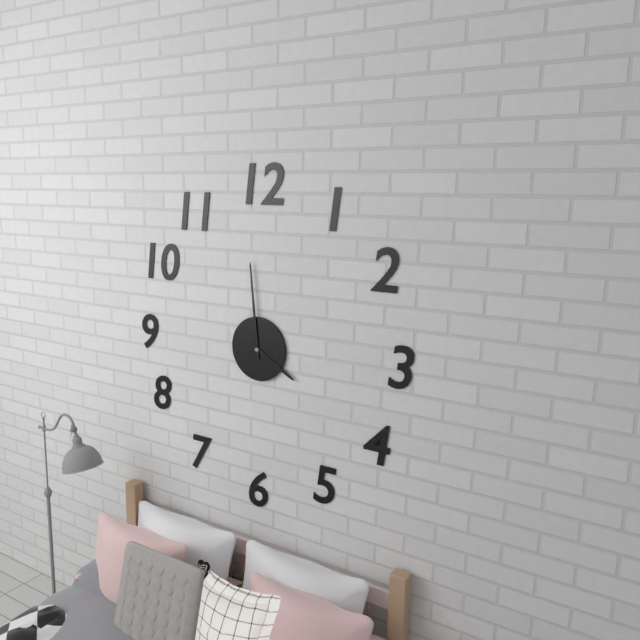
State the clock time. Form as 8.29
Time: 3.59
